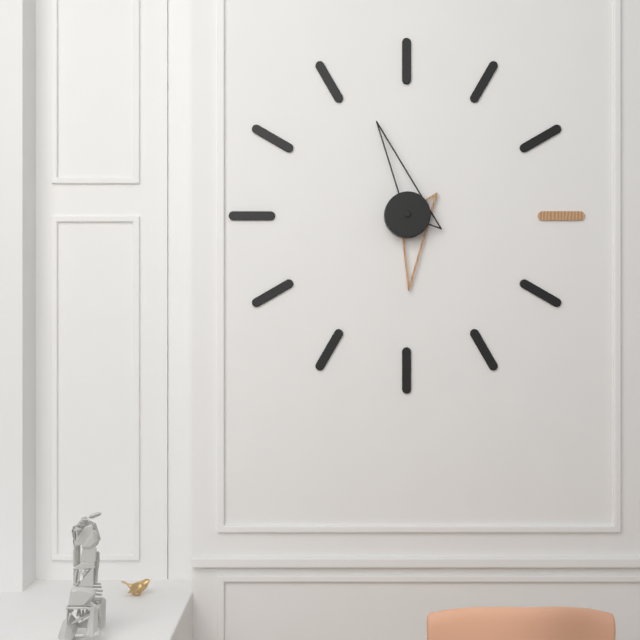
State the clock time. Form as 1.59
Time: 5.57
